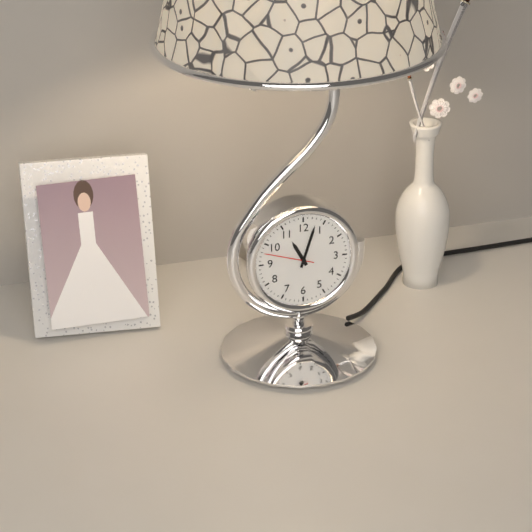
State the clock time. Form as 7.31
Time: 11.03
